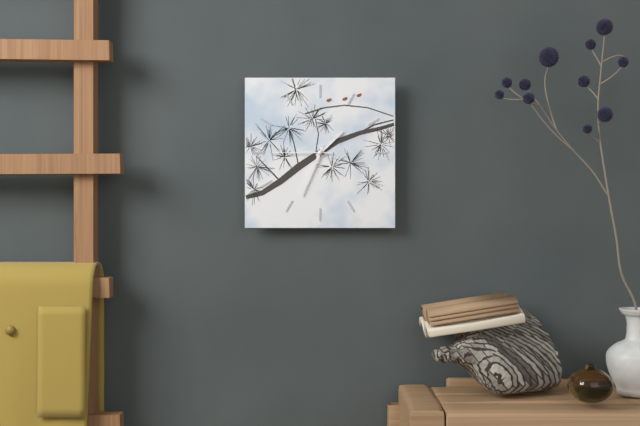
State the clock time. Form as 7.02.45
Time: 1.34.45
